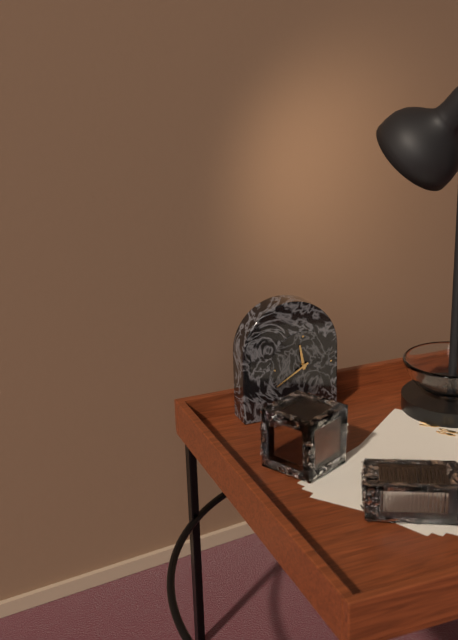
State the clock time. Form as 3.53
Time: 11.40
